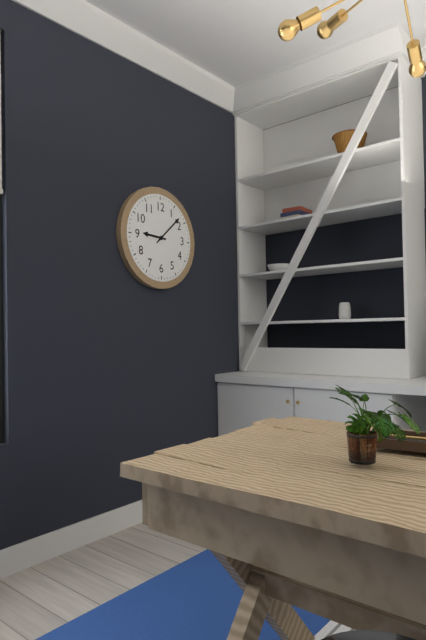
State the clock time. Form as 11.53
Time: 9.08
